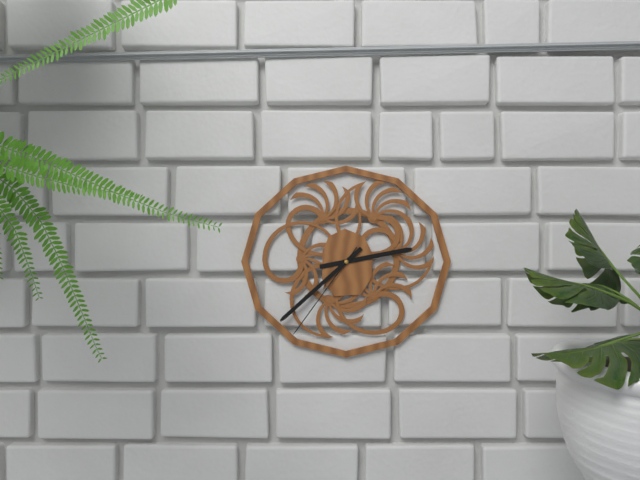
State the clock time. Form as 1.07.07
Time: 2.38.36
